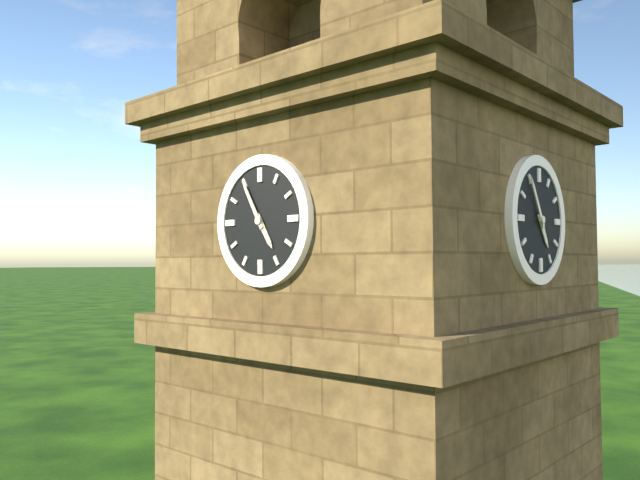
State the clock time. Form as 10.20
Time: 4.55
